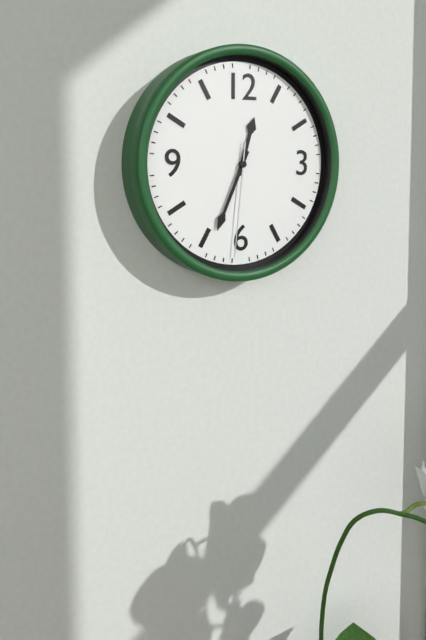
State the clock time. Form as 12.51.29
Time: 12.34.31
